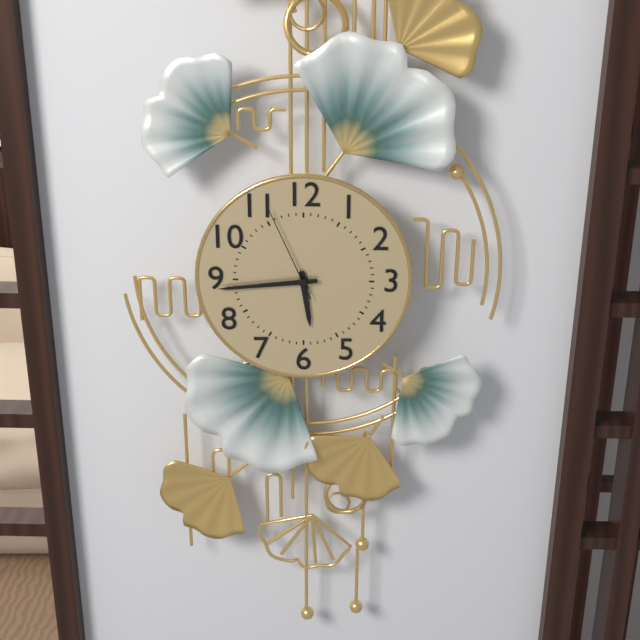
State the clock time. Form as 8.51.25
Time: 5.44.56
